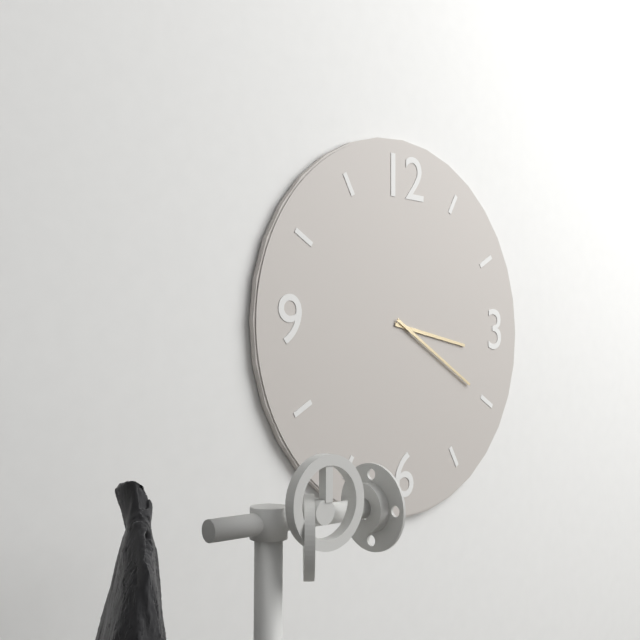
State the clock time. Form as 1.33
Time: 3.20
